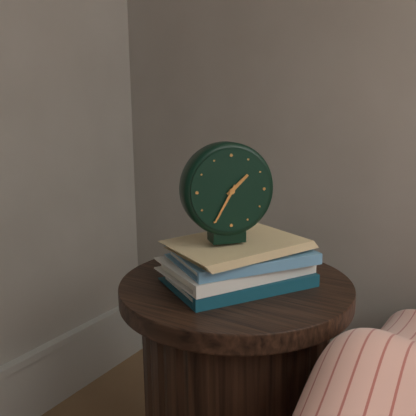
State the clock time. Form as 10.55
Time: 1.35
